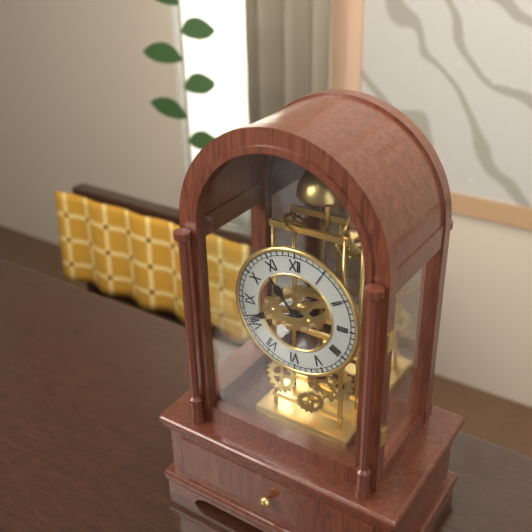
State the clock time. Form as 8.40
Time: 10.42
